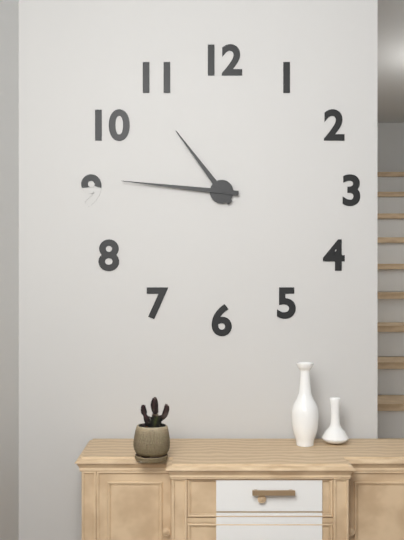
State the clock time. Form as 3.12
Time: 10.46
